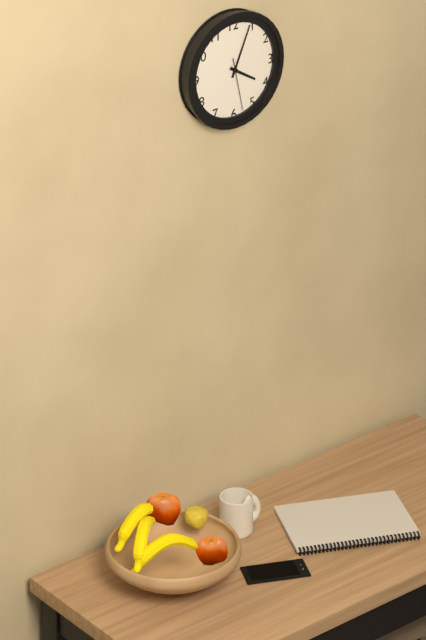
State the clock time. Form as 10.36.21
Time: 4.04.28
